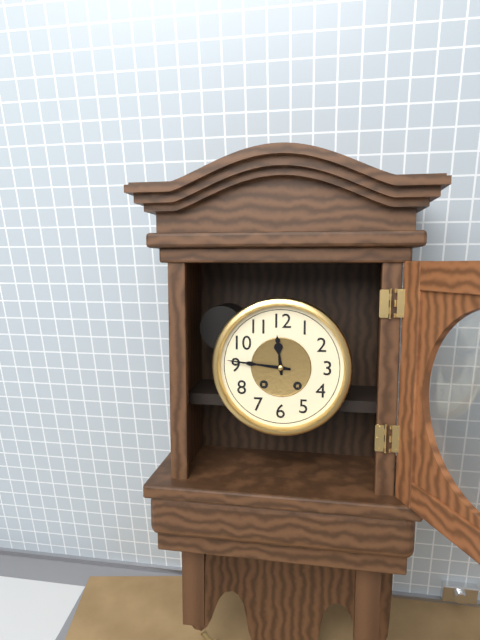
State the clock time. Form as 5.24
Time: 11.46
